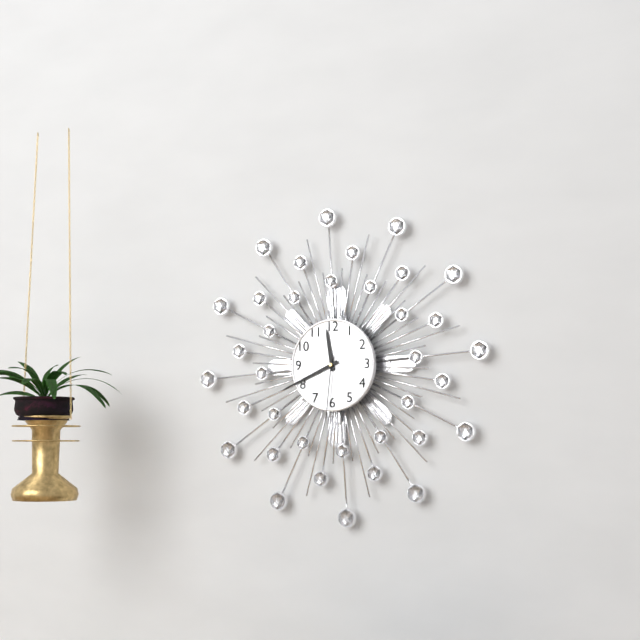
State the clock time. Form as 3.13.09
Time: 11.41.31
